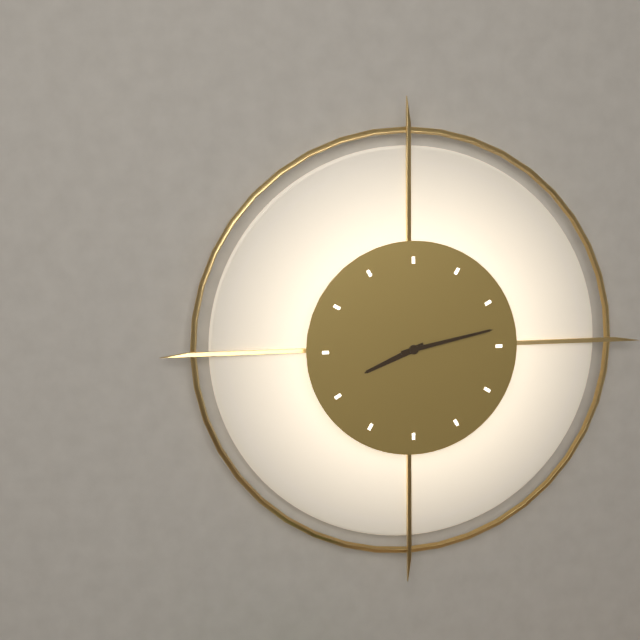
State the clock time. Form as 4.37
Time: 8.13
